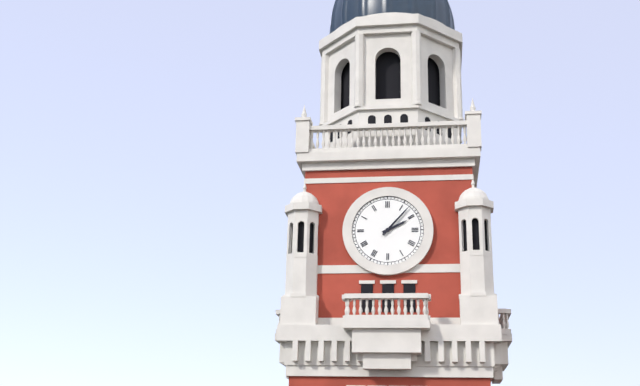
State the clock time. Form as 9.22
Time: 2.07
